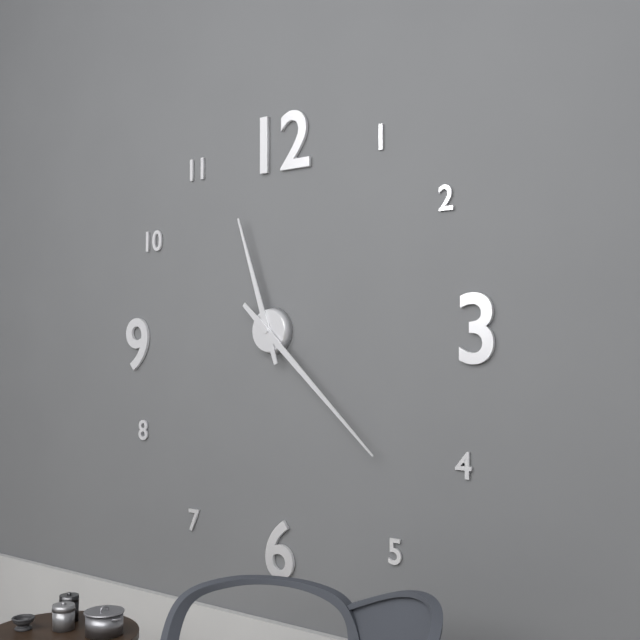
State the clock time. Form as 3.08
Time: 11.22
